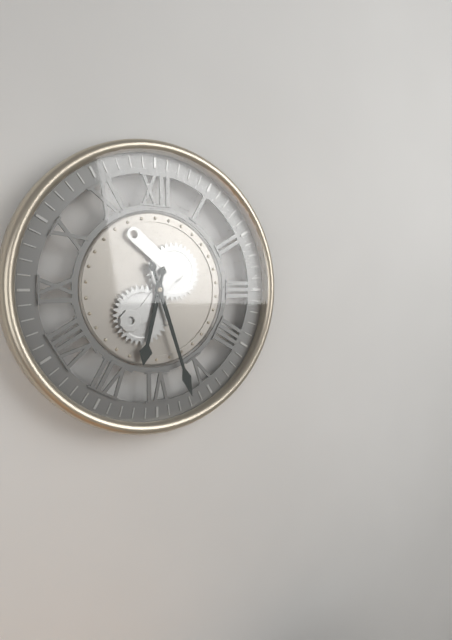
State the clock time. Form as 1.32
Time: 6.27
